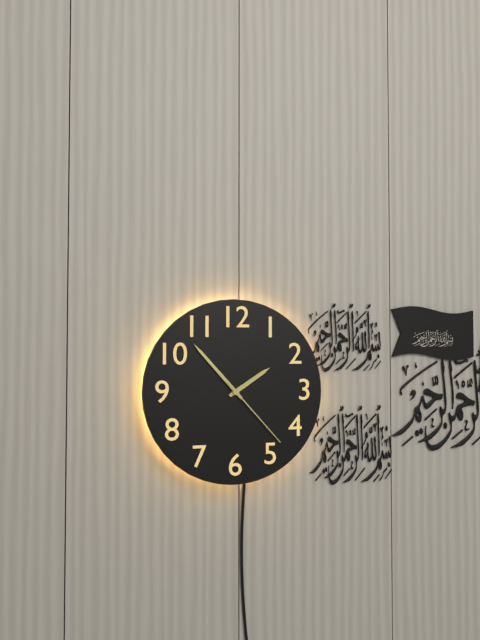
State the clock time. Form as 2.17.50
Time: 1.53.23
